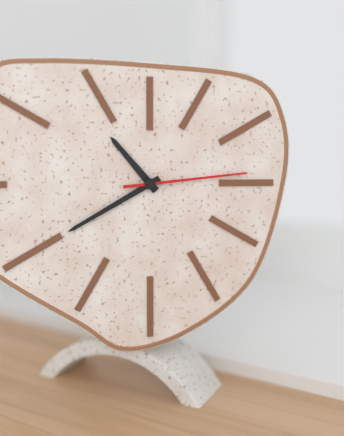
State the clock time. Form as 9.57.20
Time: 10.40.14
